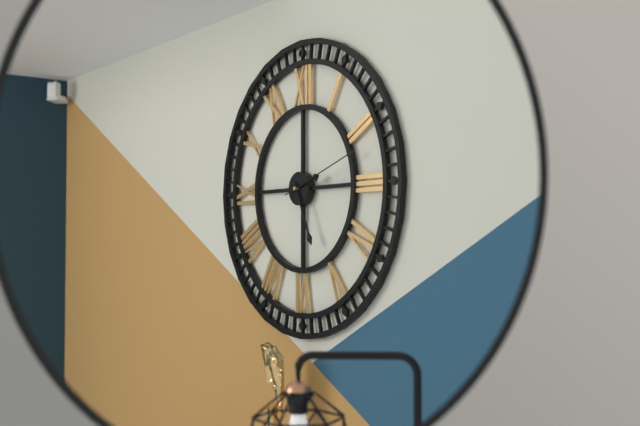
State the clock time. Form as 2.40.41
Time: 2.26.12
